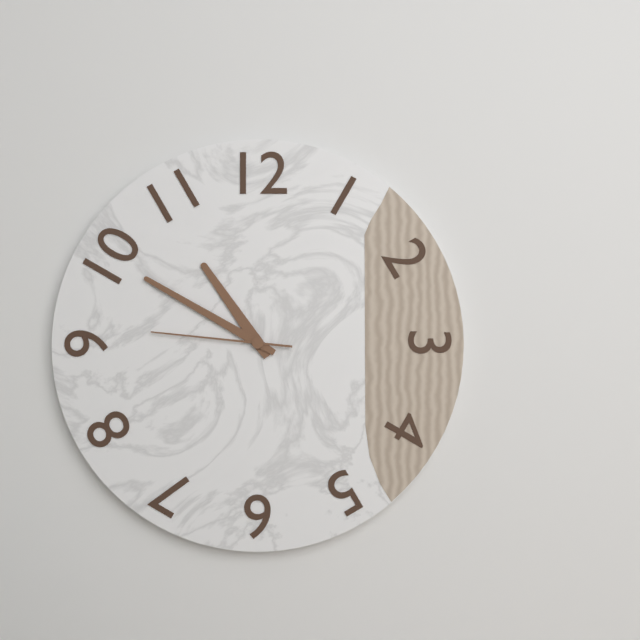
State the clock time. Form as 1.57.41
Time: 10.50.46
